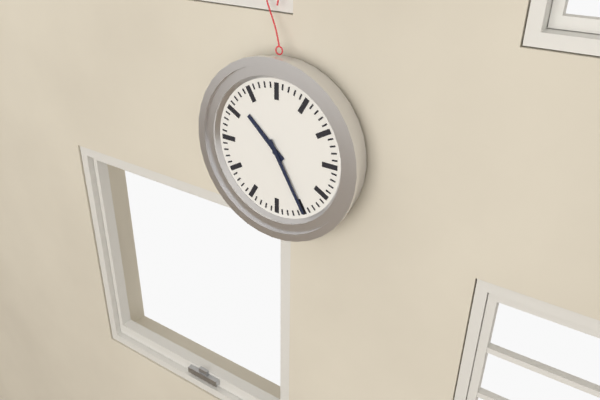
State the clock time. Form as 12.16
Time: 10.25
